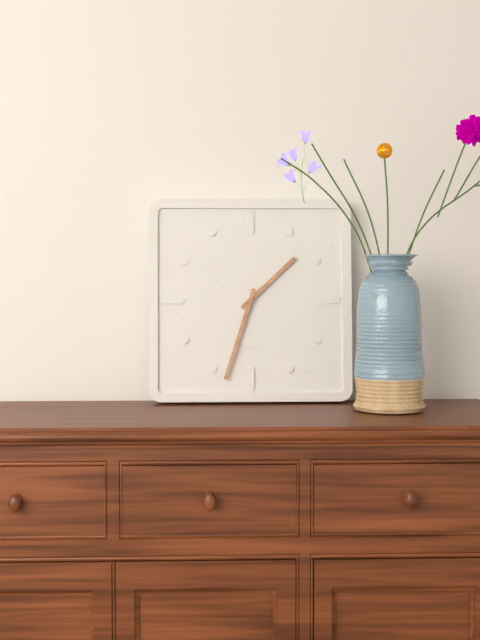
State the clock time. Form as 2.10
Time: 1.33
